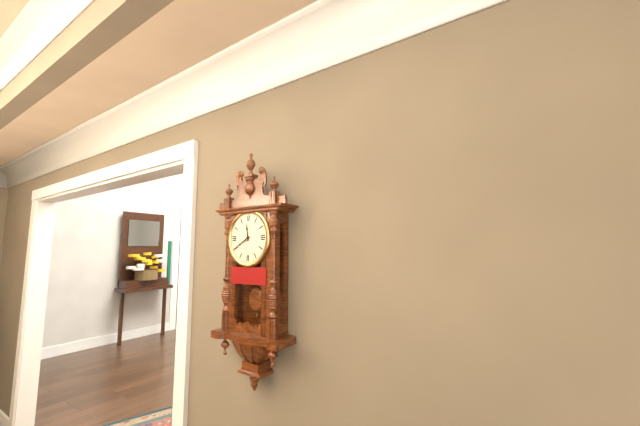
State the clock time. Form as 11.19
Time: 11.40
